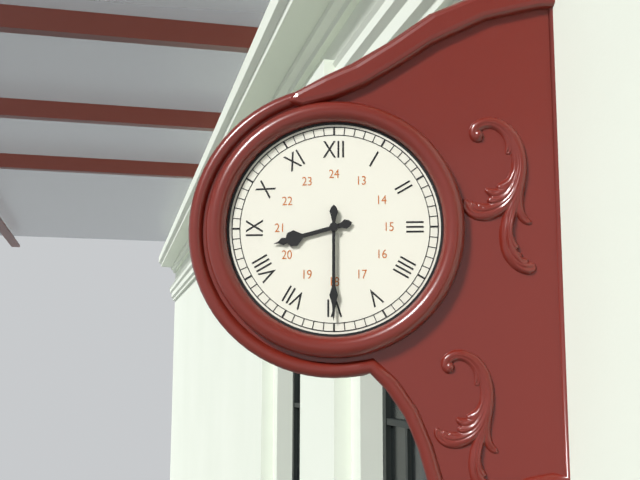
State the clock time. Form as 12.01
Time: 8.30
